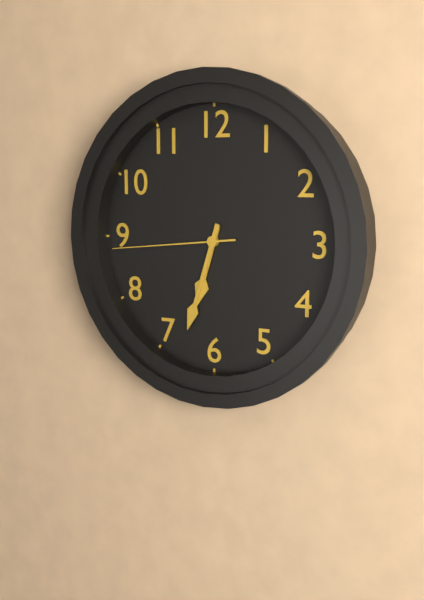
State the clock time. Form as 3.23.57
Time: 6.33.44
